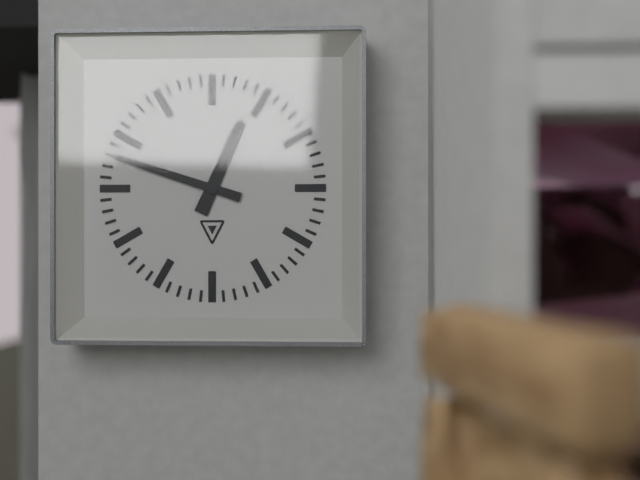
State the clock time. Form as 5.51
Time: 12.48
